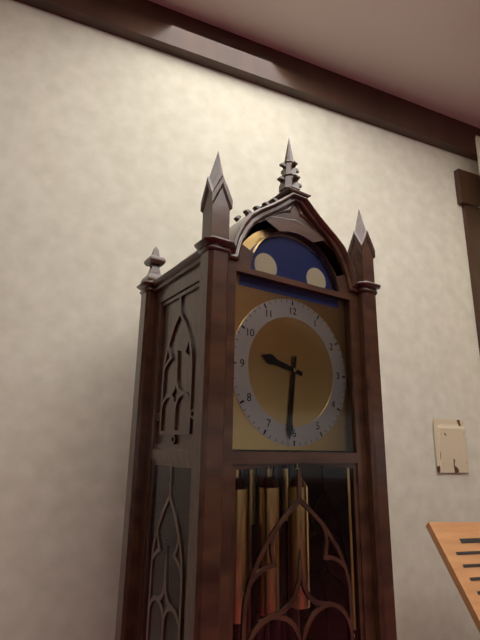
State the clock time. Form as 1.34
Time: 9.31
